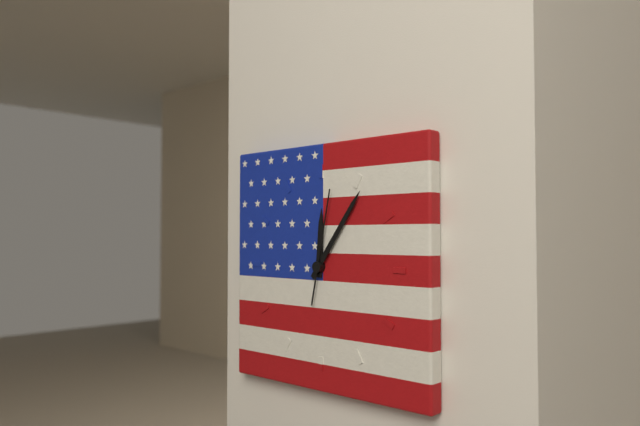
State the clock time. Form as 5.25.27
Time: 12.06.02
